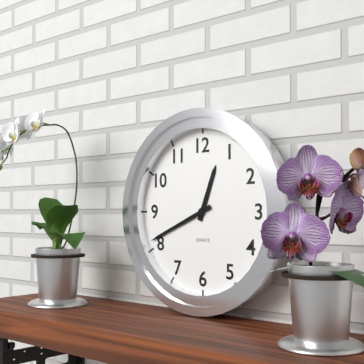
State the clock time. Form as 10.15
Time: 12.41
